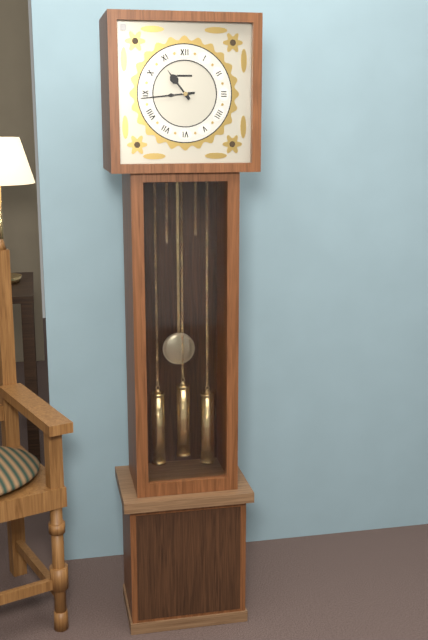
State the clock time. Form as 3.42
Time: 10.44
